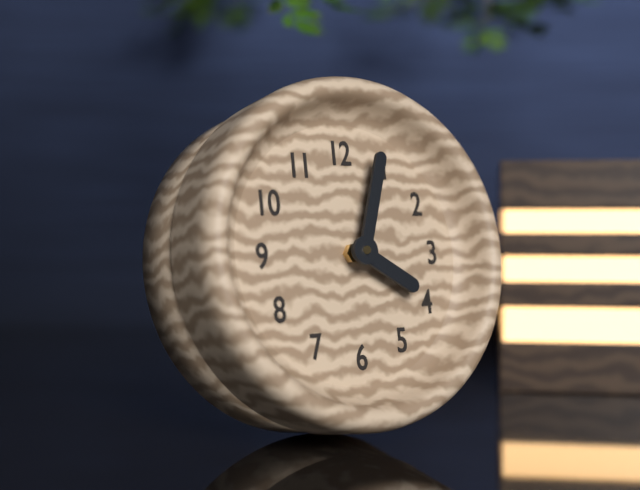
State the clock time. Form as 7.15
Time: 4.03
